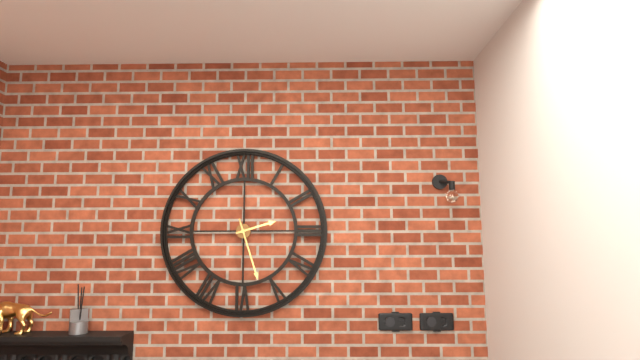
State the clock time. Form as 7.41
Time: 2.27
